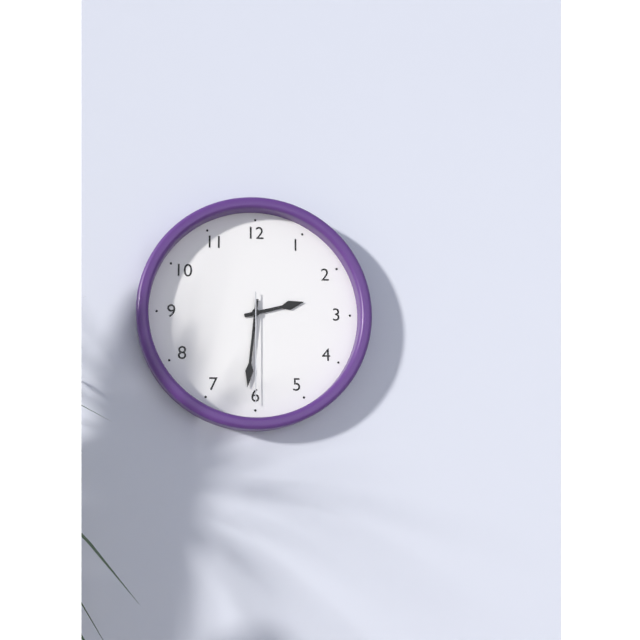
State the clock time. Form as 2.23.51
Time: 2.31.30
